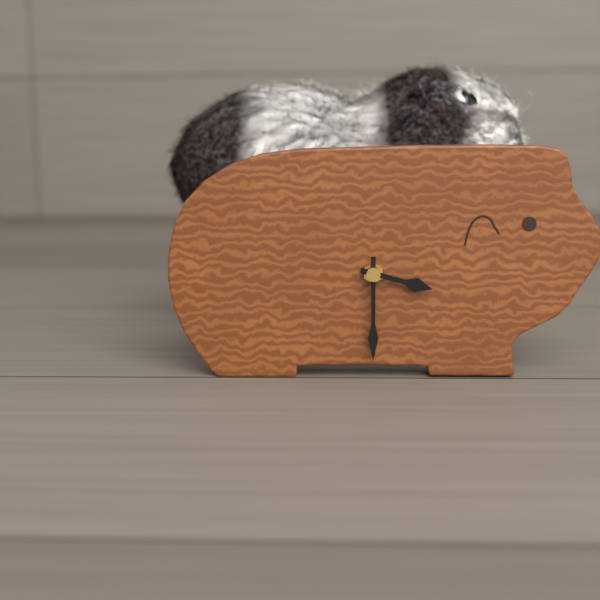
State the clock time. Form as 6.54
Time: 3.30
